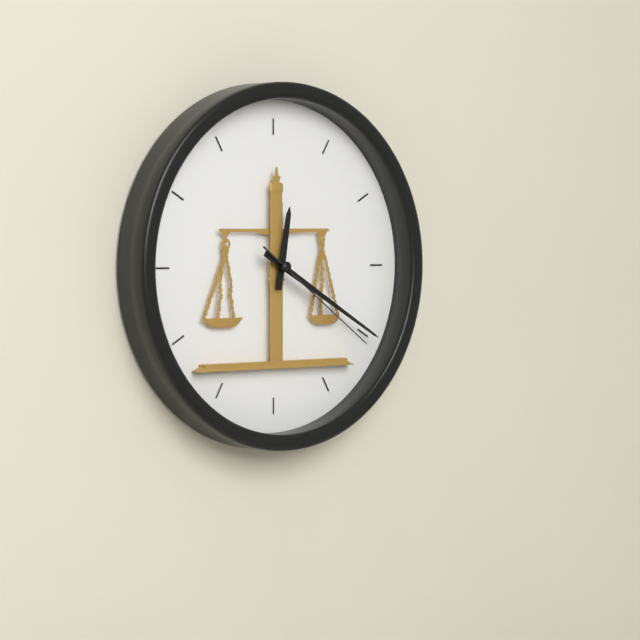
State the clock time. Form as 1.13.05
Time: 12.20.21
